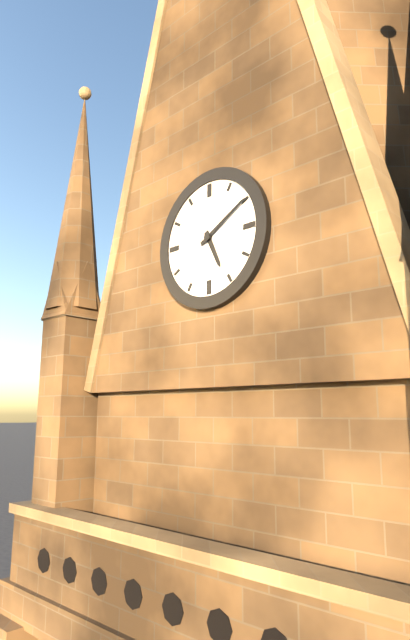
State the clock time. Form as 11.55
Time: 5.10
